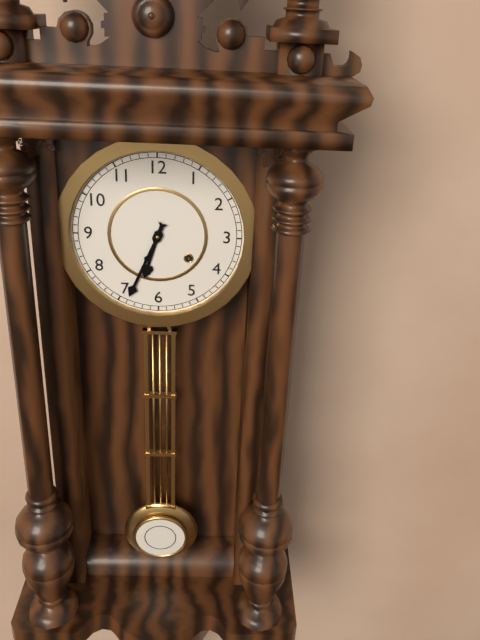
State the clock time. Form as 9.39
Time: 6.34
